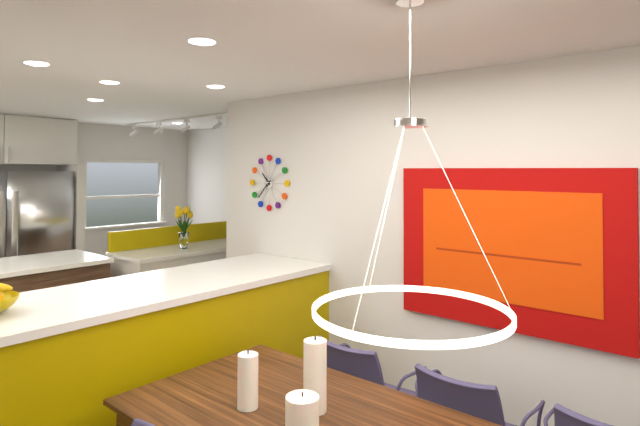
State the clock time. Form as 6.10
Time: 10.37
